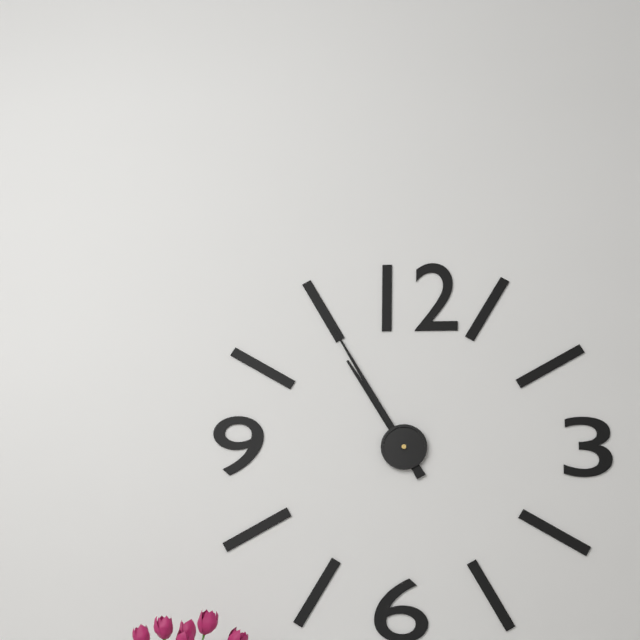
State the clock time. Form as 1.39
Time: 10.55
